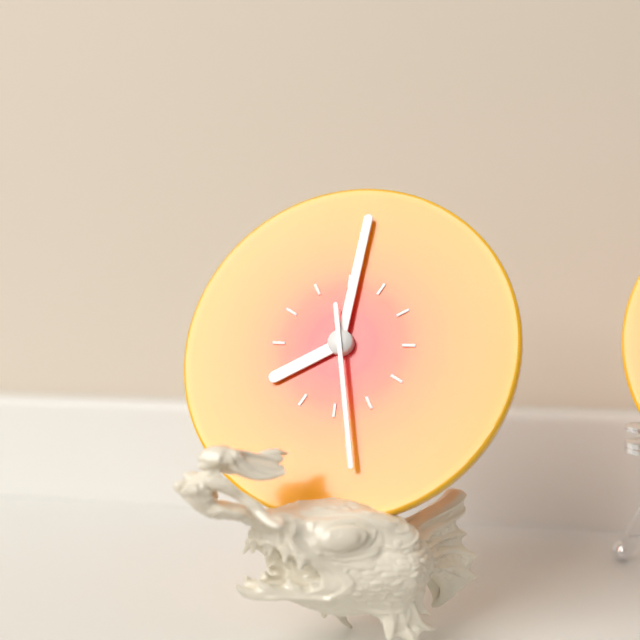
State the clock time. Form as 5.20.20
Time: 8.01.28
